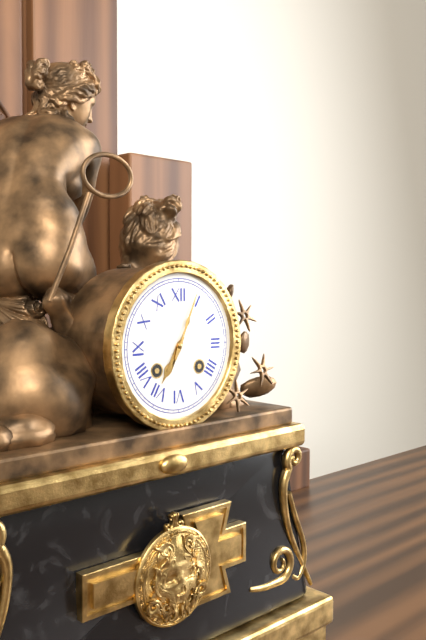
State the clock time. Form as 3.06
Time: 7.04
